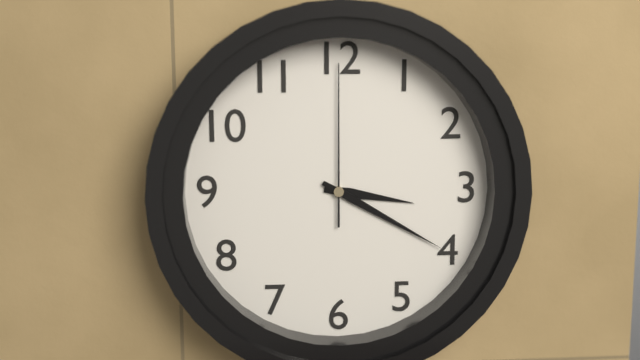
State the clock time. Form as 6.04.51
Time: 3.20.00
